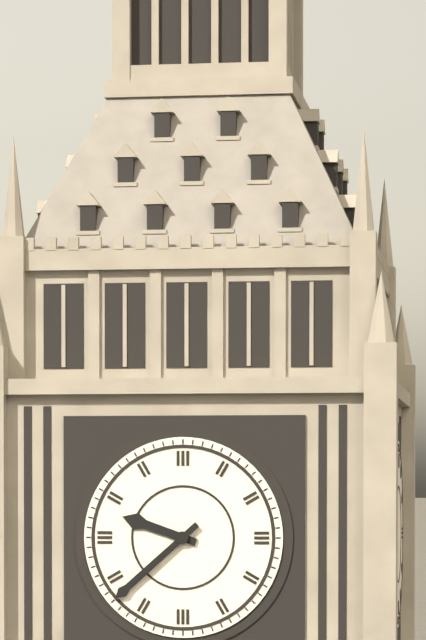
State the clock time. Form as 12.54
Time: 9.38
